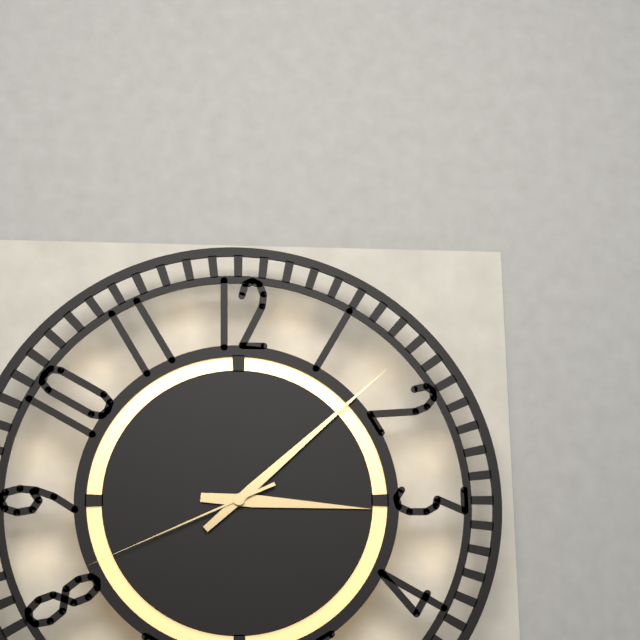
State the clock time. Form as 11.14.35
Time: 3.08.41
